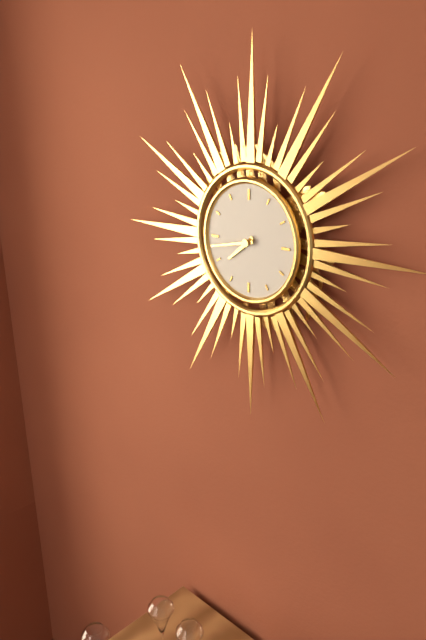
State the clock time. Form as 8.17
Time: 7.43
